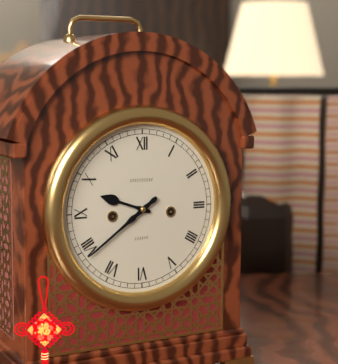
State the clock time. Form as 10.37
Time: 9.39
